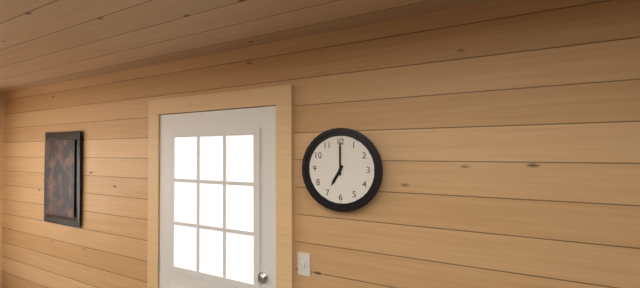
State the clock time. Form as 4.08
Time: 7.00
